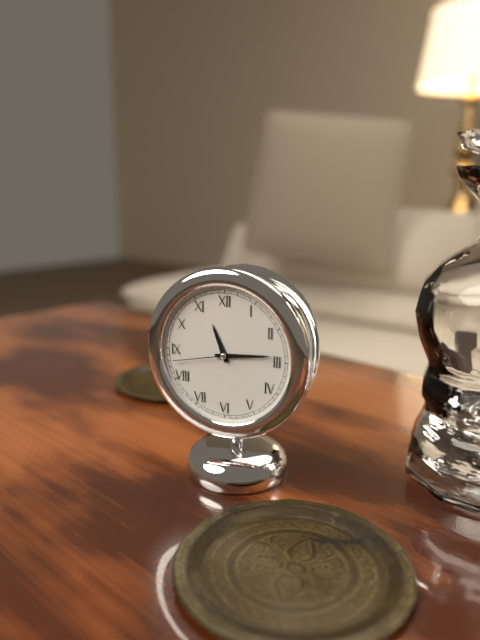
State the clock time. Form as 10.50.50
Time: 11.14.43
